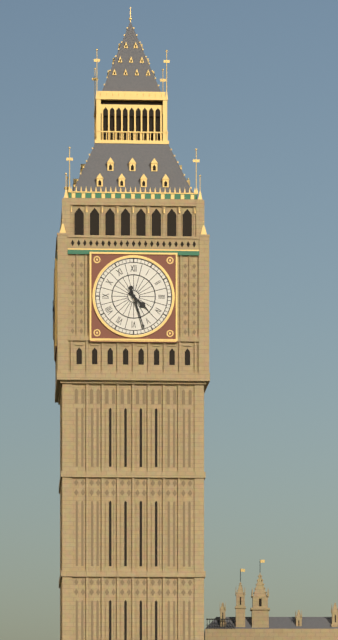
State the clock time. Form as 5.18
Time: 4.27
